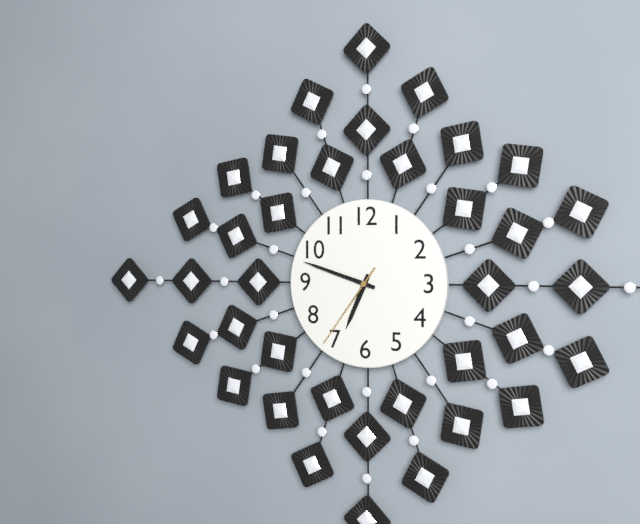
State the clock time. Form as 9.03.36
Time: 6.48.36
